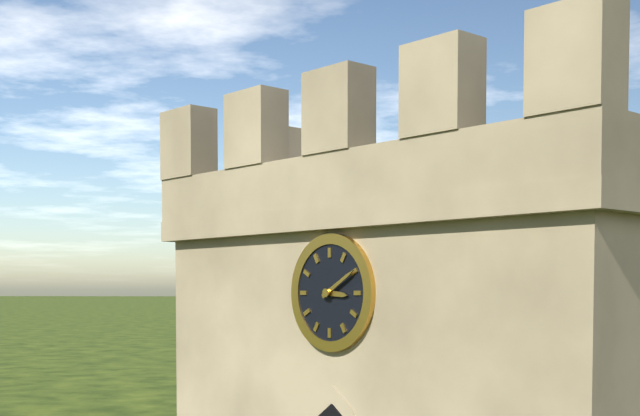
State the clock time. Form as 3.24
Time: 3.10
